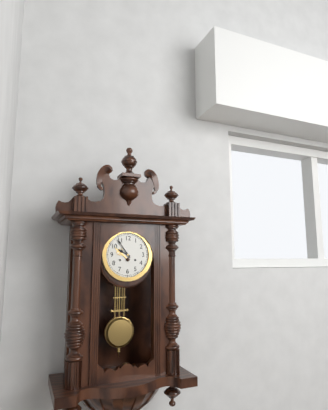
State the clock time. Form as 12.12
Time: 9.54
